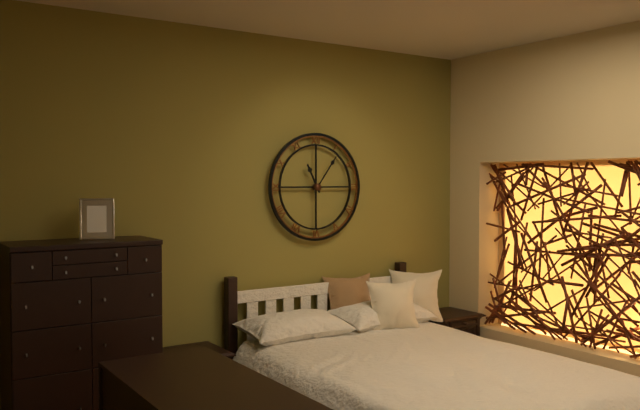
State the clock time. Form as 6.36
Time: 11.06
